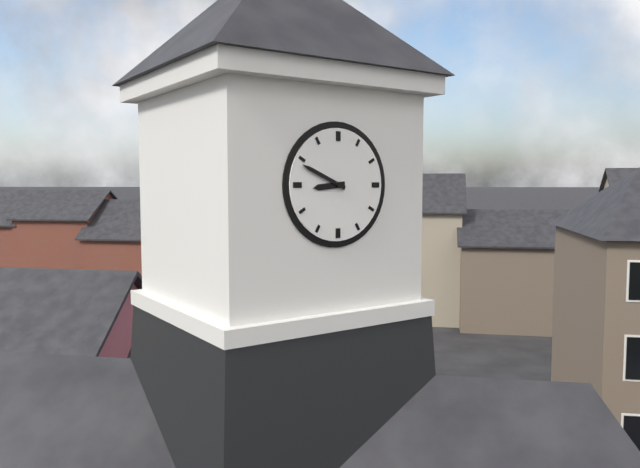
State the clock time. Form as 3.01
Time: 8.49
